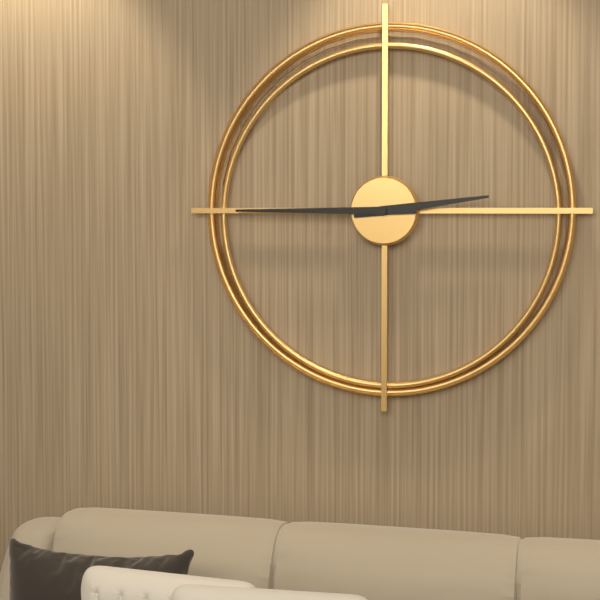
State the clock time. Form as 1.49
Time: 2.45
